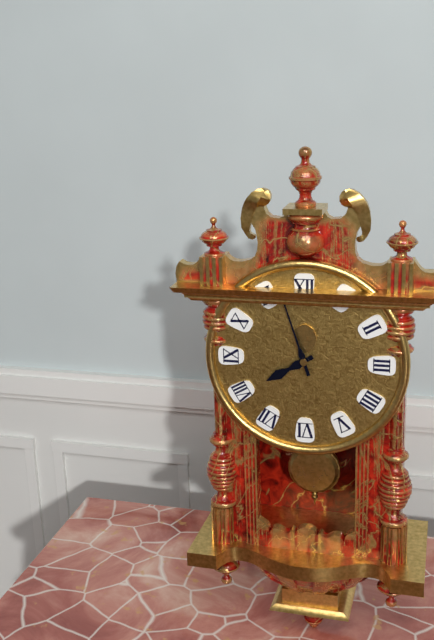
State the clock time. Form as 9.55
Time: 7.57
